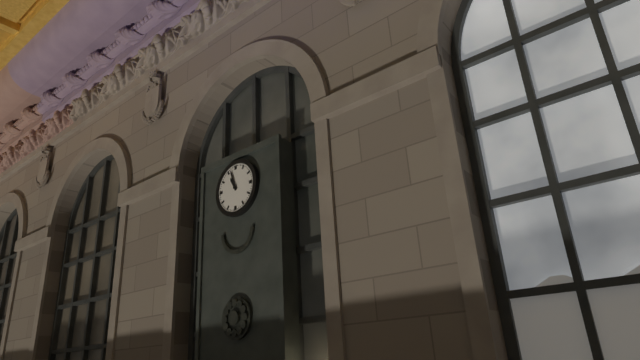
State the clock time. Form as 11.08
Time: 10.57
